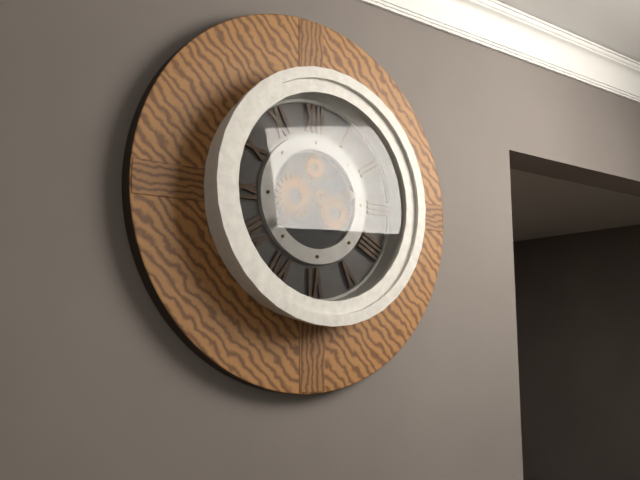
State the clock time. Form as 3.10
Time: 2.40
